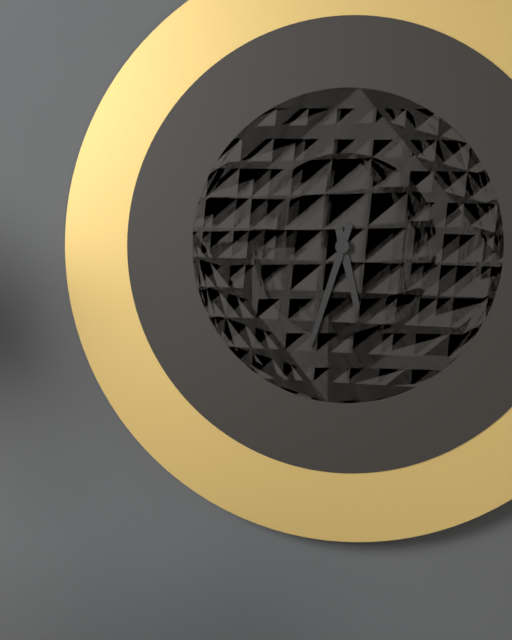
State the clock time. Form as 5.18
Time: 5.33
